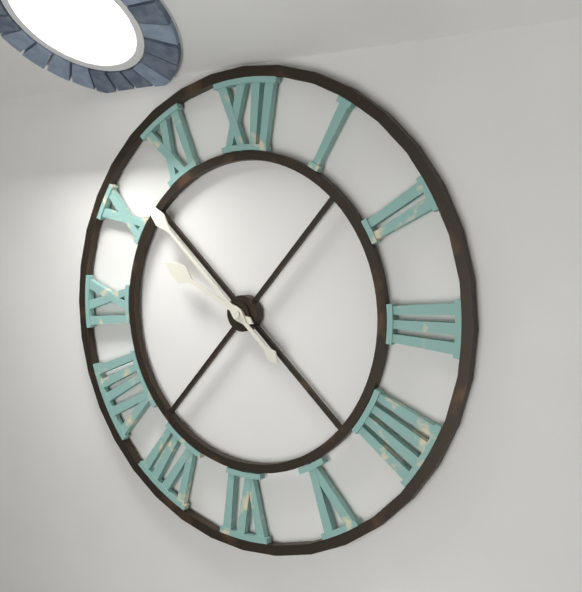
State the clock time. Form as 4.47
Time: 9.52
